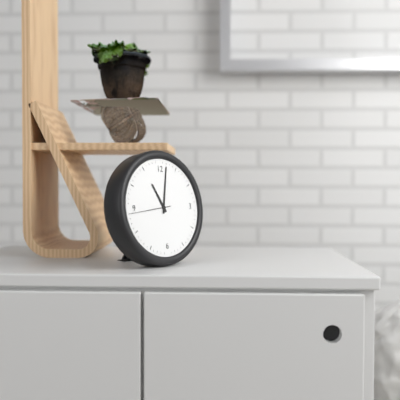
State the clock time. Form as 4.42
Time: 11.02
